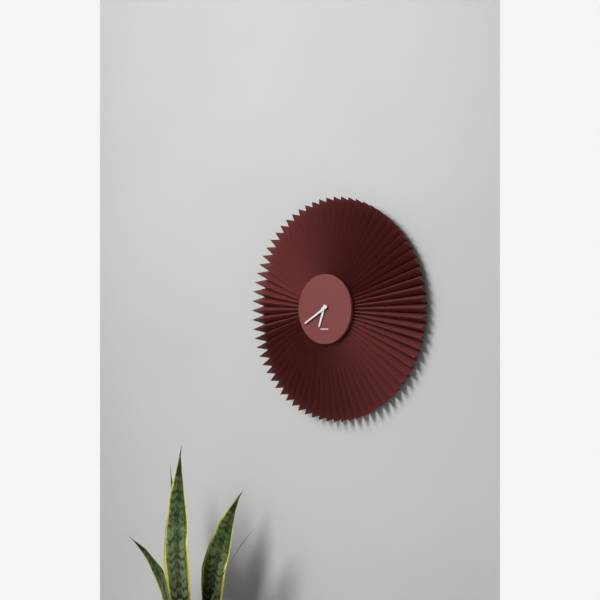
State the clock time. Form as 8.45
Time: 6.40
